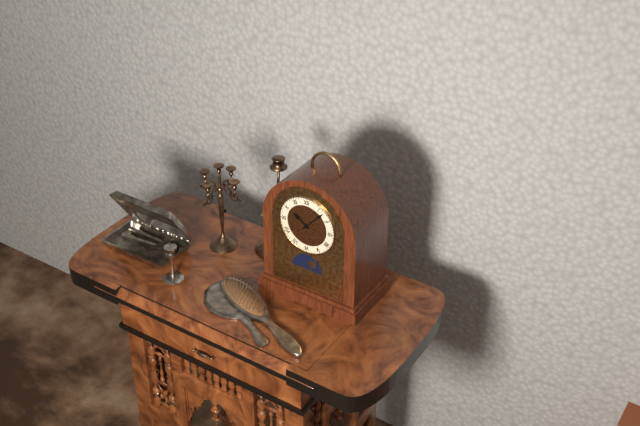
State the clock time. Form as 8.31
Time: 10.07
